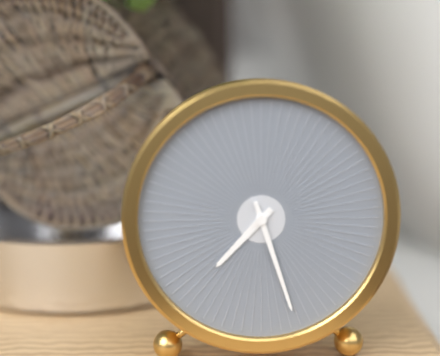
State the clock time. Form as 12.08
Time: 7.27
